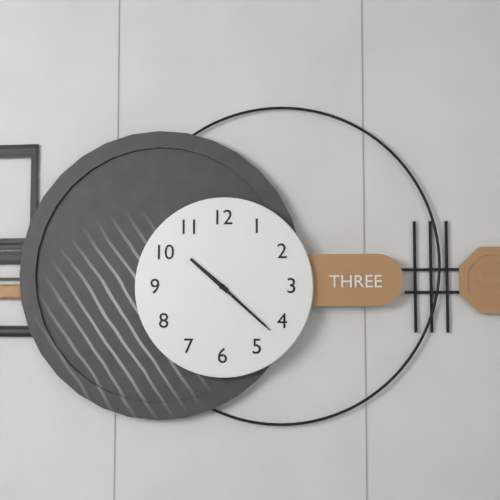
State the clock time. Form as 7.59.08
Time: 10.22.22
